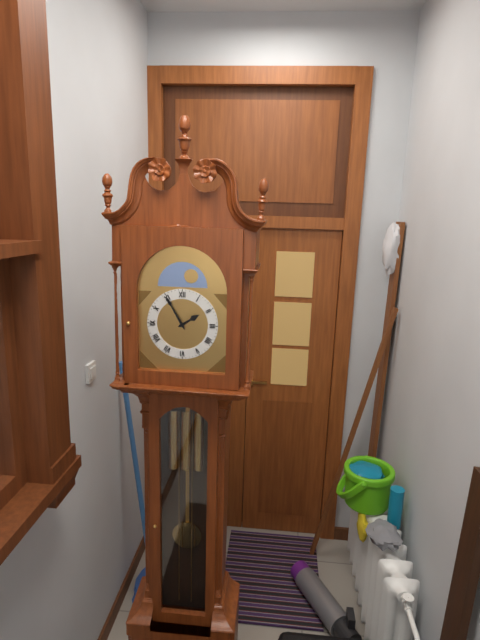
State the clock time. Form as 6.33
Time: 1.55
